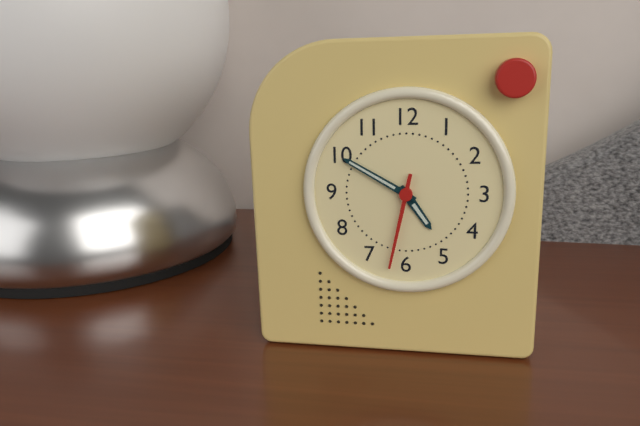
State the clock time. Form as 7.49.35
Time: 4.50.32
